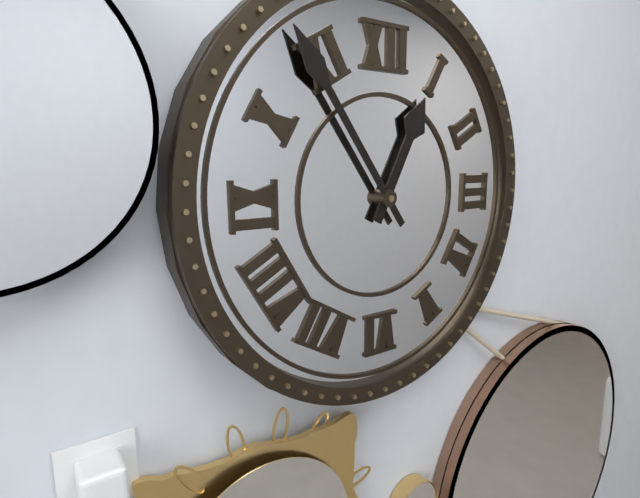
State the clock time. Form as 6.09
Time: 12.54
